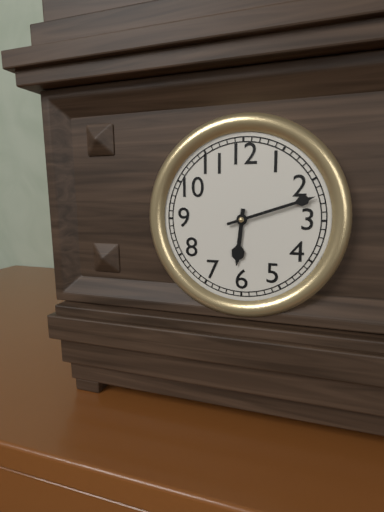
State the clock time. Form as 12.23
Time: 6.12
